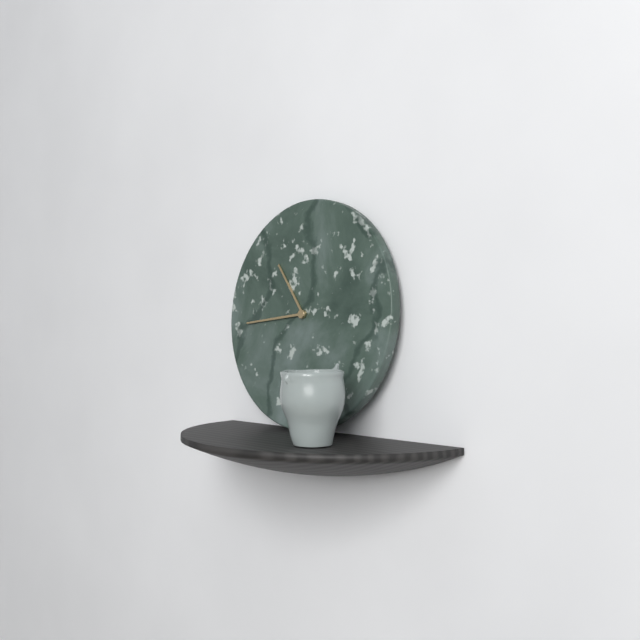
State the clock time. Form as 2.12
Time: 10.44
